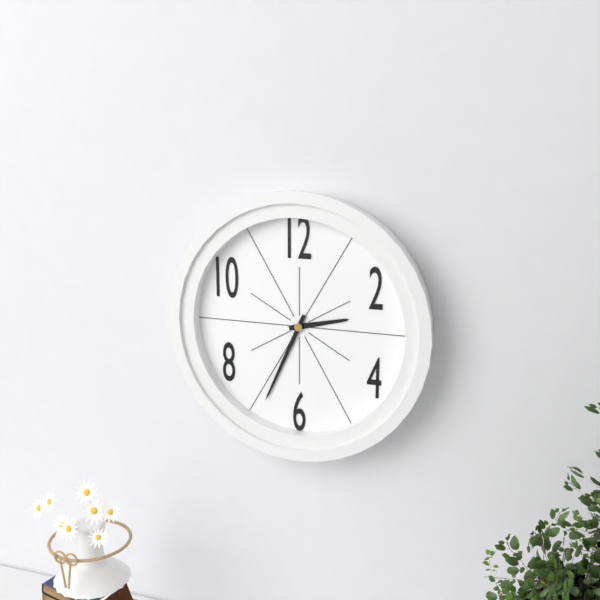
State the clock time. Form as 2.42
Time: 2.34
